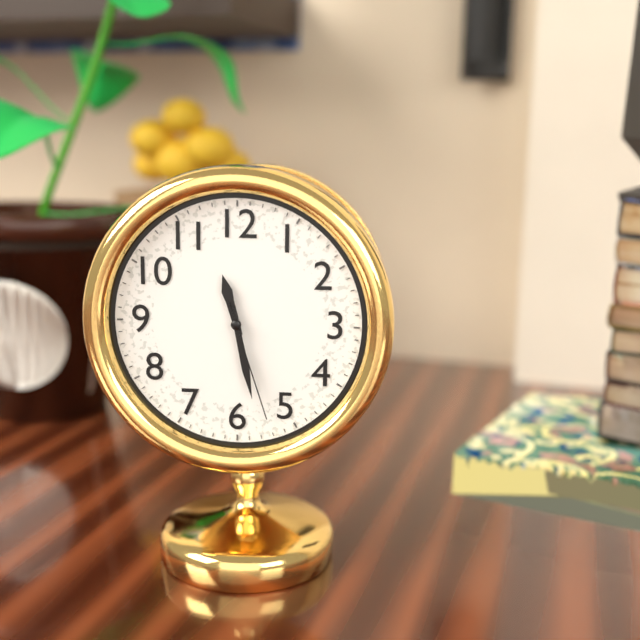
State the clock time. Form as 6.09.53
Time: 11.28.27
